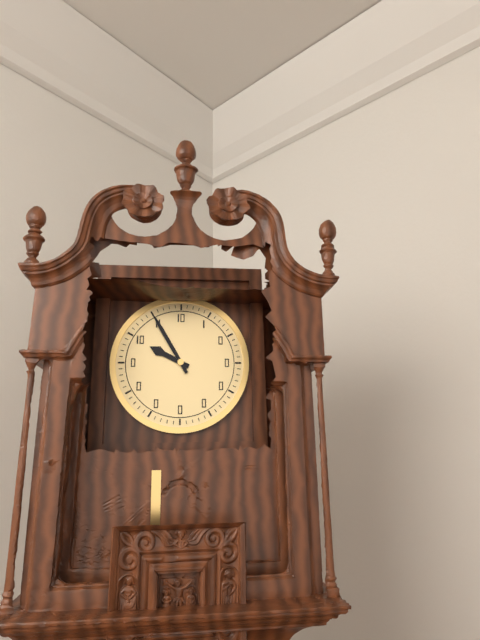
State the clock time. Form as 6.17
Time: 9.55
